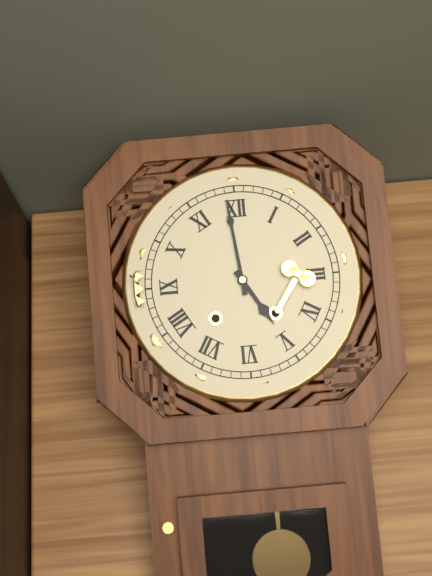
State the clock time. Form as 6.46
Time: 4.59
